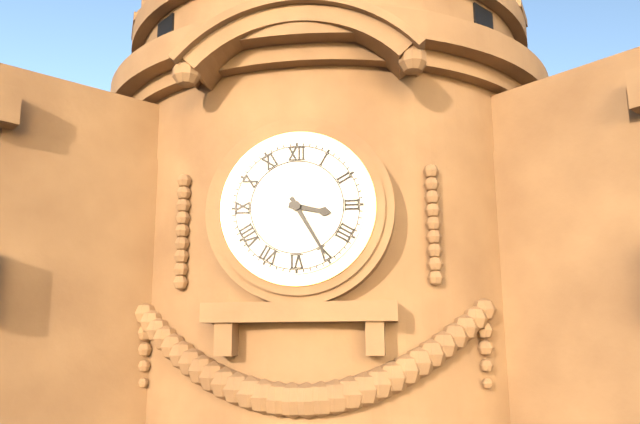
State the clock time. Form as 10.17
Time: 3.25
